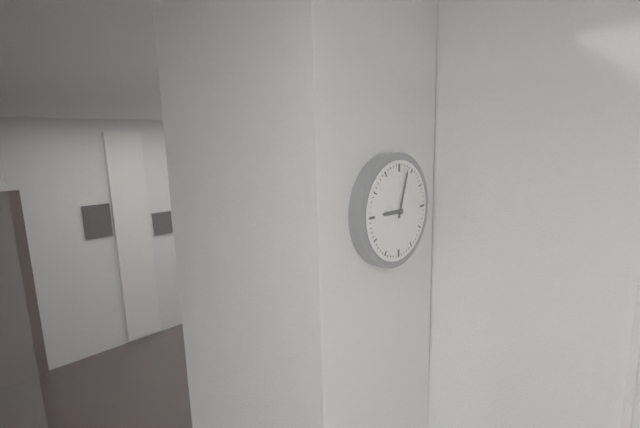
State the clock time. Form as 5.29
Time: 9.03
